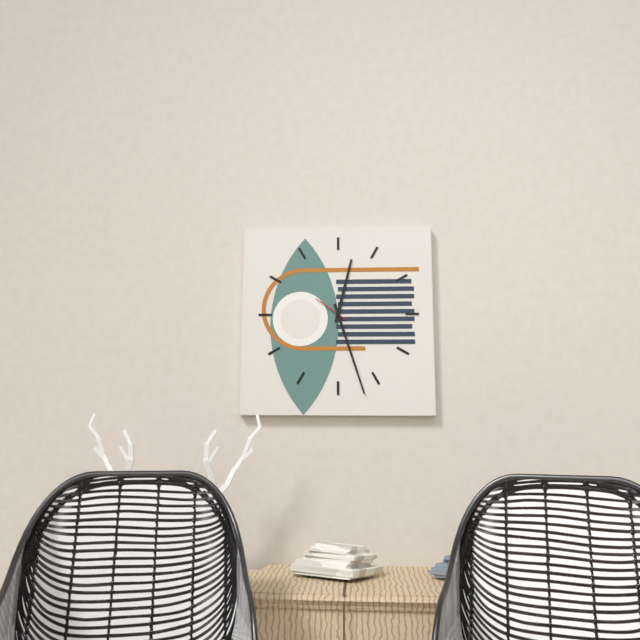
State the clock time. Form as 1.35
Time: 12.27
